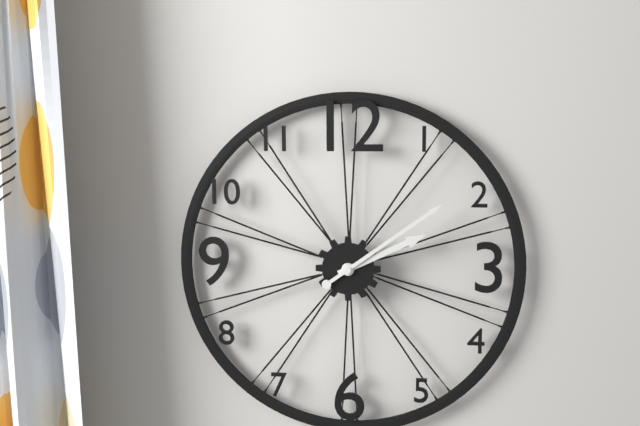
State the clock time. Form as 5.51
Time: 2.09
